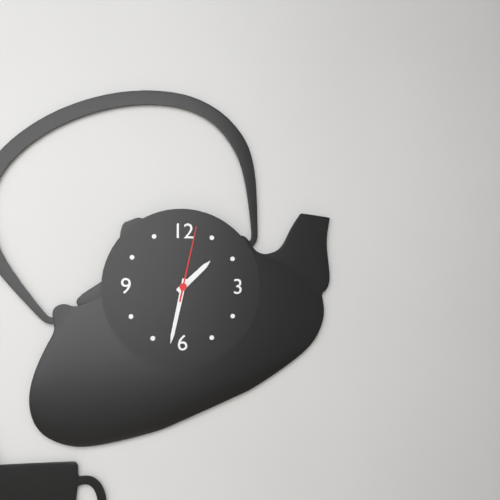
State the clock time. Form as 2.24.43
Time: 1.32.02
